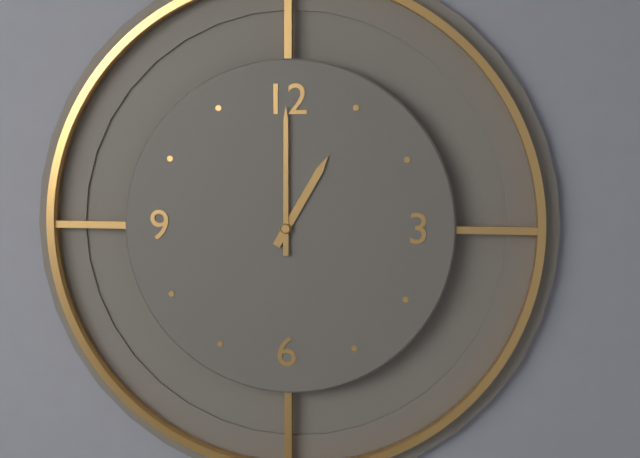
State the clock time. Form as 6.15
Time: 1.00
